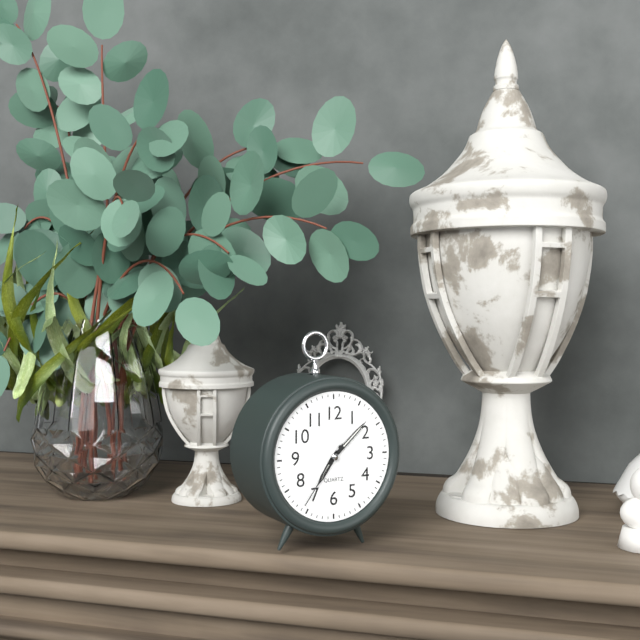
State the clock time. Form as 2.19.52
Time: 7.08.36
